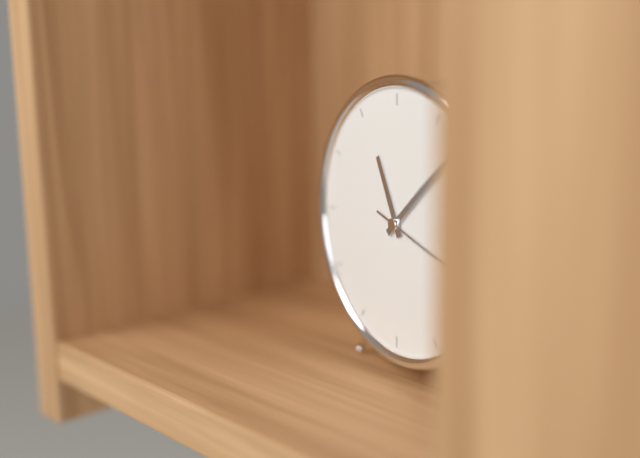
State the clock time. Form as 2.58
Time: 11.08
